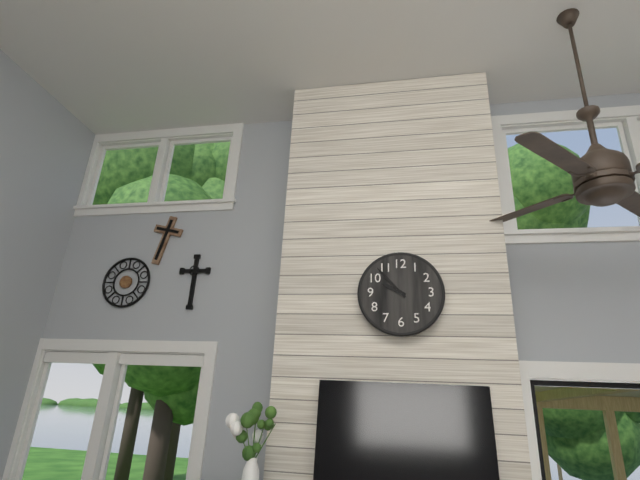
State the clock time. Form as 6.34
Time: 9.53
